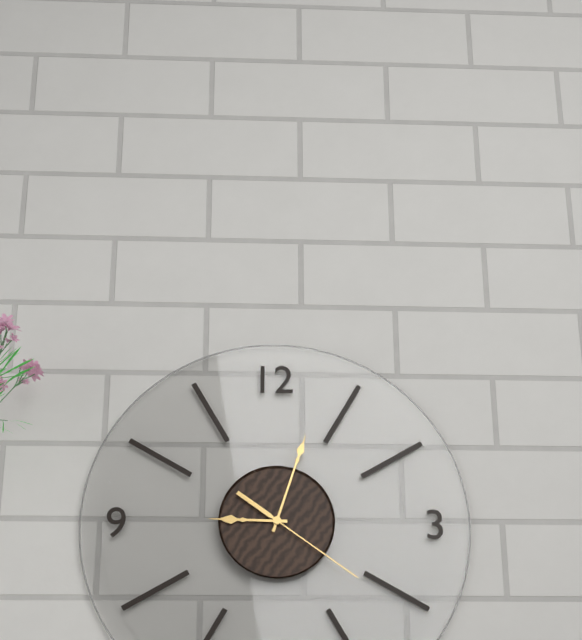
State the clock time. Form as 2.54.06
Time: 9.03.21
